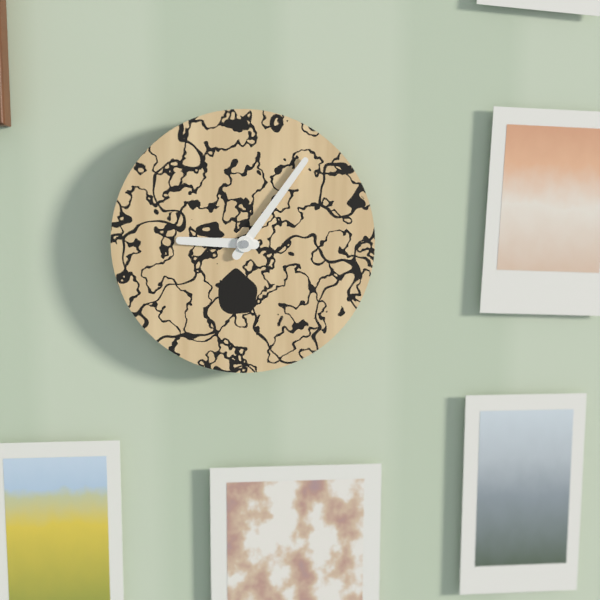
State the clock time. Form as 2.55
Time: 9.06
